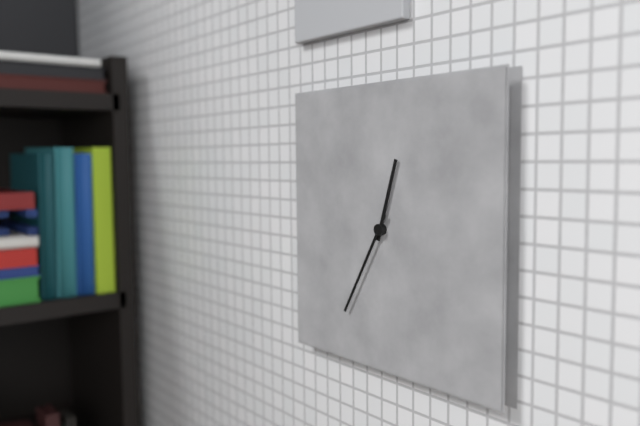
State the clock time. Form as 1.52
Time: 12.35
